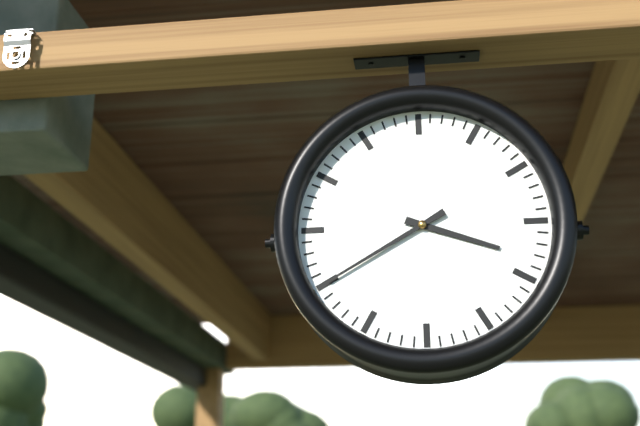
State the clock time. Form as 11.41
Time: 3.40
